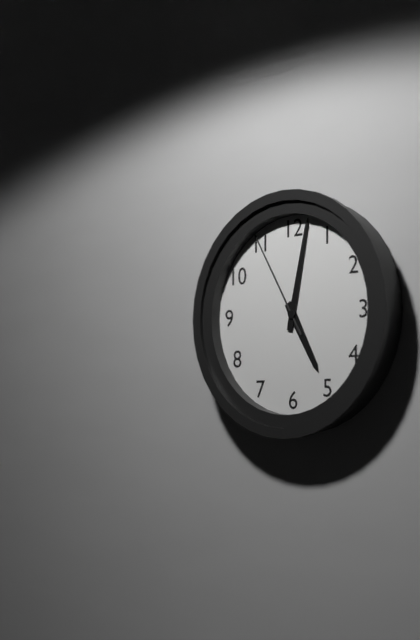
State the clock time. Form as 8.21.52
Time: 5.02.55
